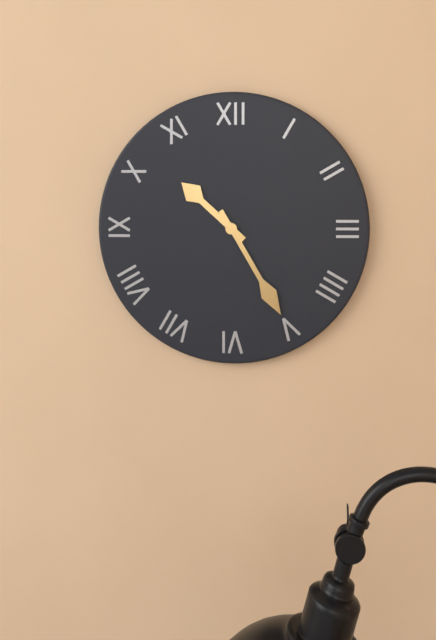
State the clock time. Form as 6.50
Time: 10.25
